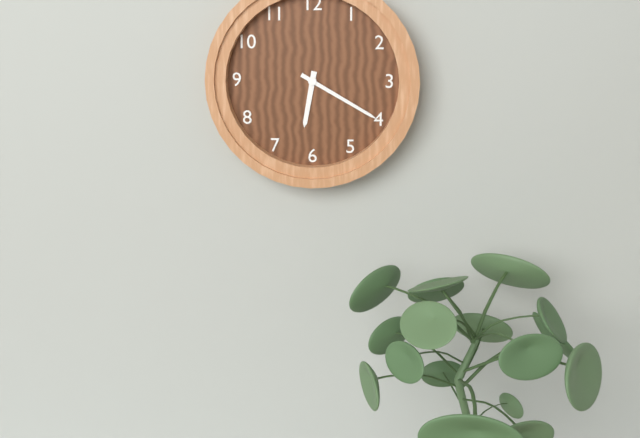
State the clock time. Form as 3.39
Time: 6.20
